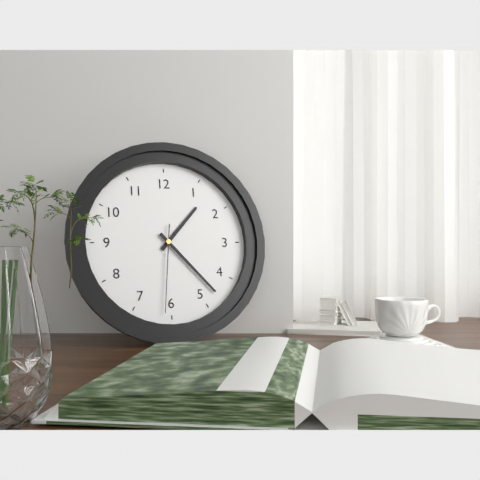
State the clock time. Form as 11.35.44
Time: 1.23.31
